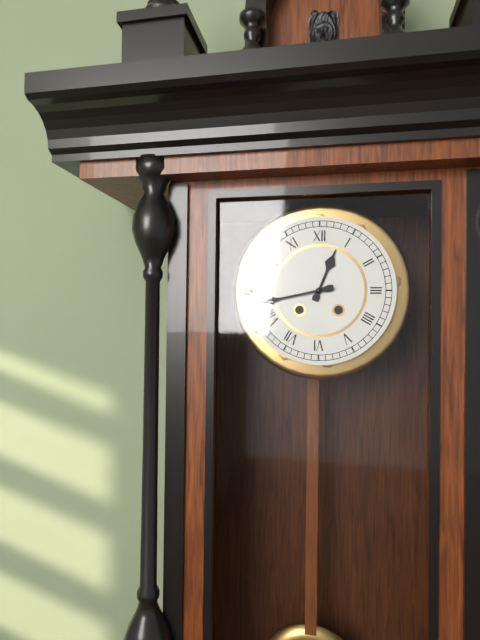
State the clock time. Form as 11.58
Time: 12.43
